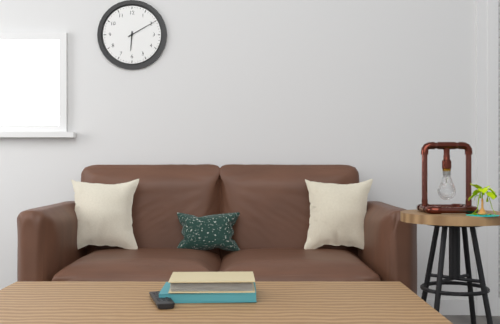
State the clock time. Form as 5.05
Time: 6.10
